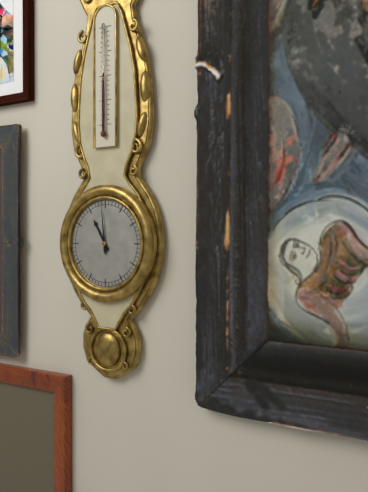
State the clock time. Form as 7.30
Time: 10.59
